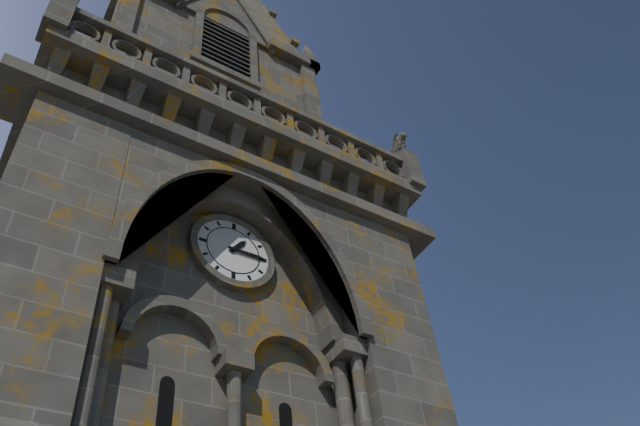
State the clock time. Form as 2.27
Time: 1.15
